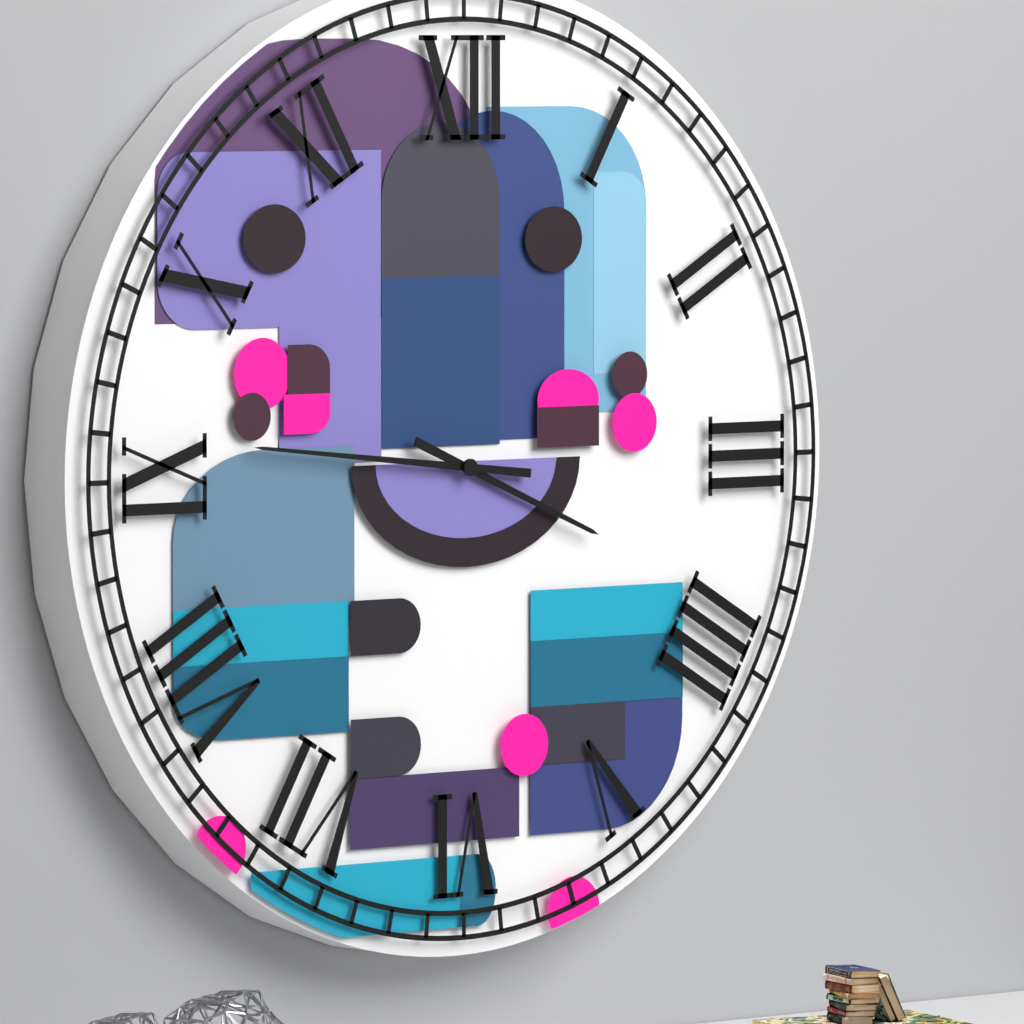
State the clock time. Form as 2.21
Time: 3.46
